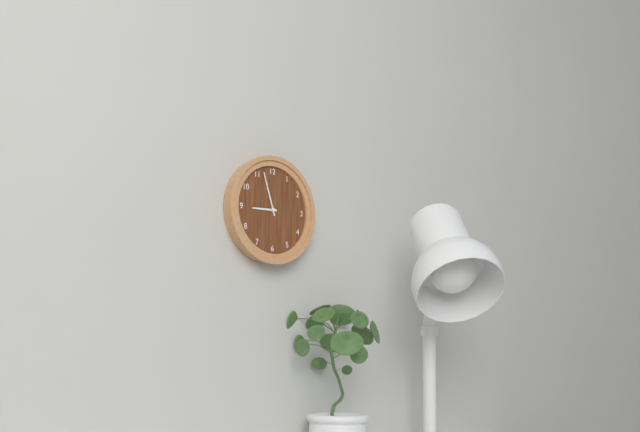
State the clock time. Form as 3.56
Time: 8.57
